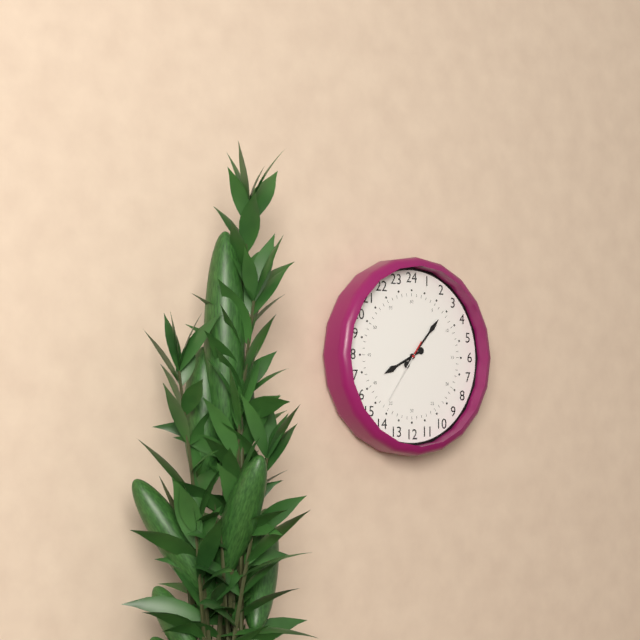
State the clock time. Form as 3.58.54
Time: 8.07.36
